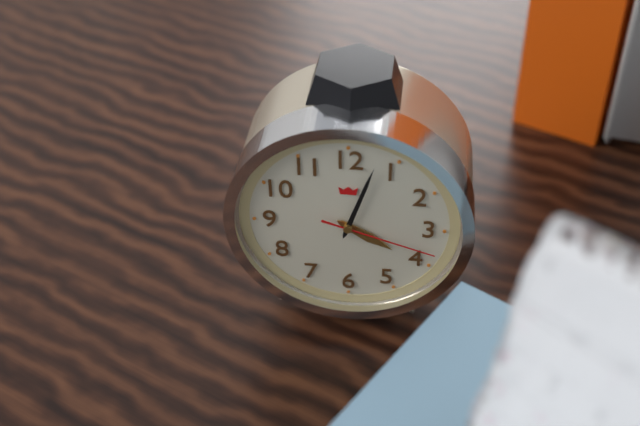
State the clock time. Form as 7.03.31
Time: 4.03.18
